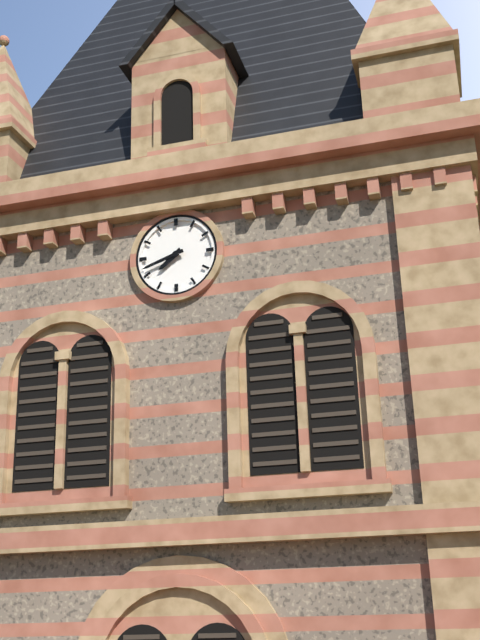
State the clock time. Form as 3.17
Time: 7.42
